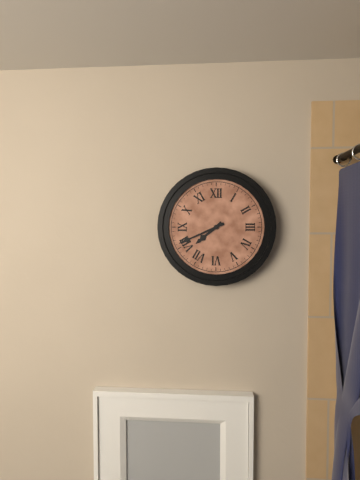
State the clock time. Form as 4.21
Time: 7.41
